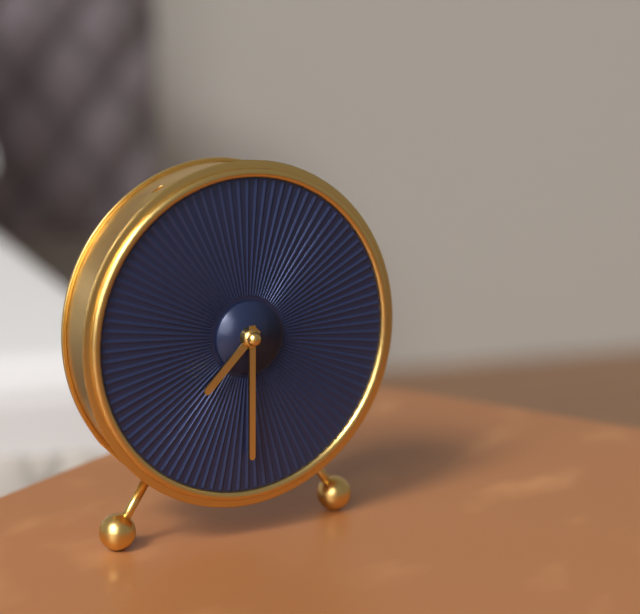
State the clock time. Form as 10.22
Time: 7.30
